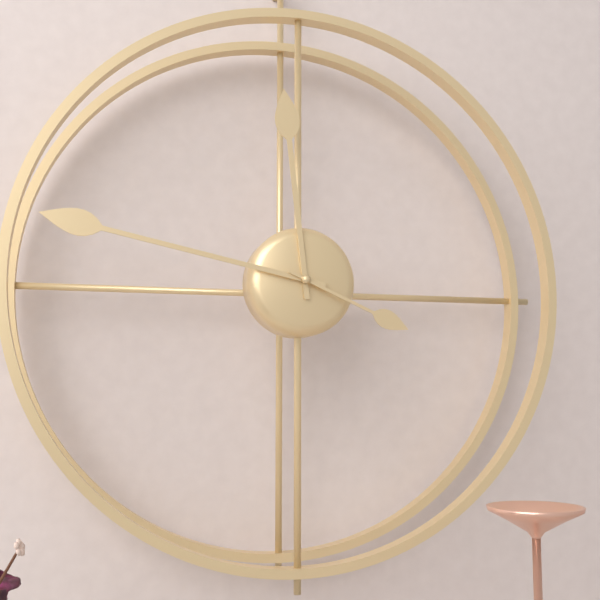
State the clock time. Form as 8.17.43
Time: 11.47.19
